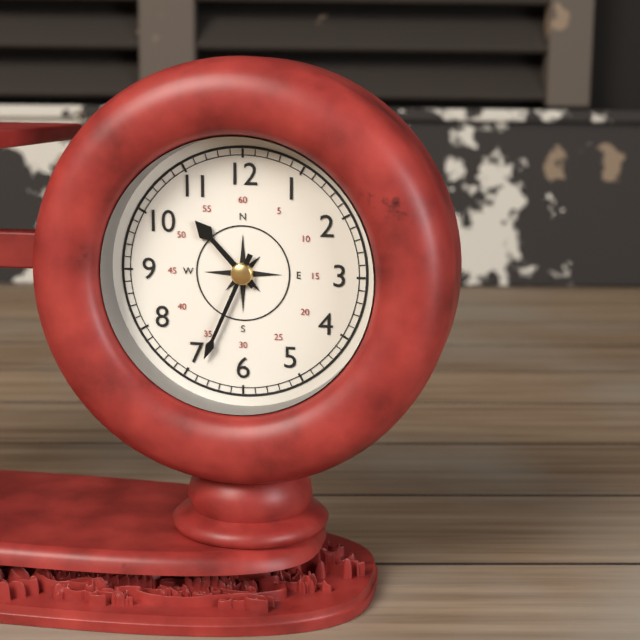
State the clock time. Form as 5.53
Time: 10.34
